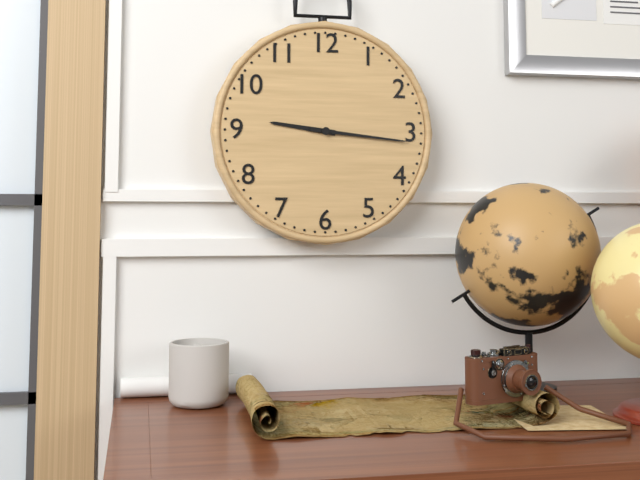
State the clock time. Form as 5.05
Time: 9.16
